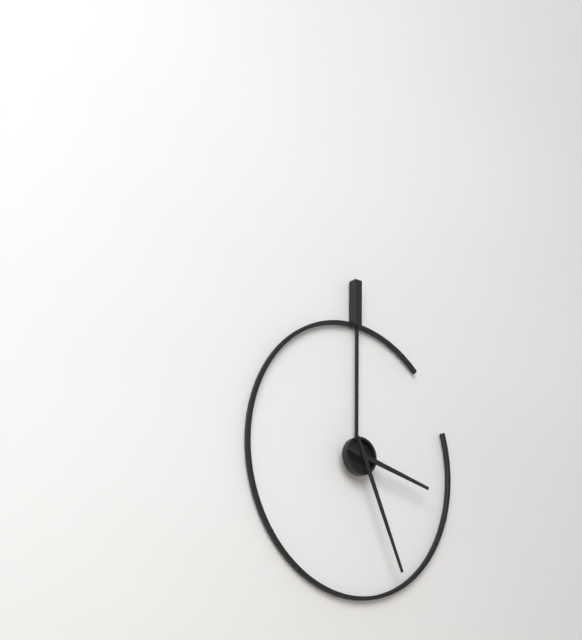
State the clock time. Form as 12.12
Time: 3.26
